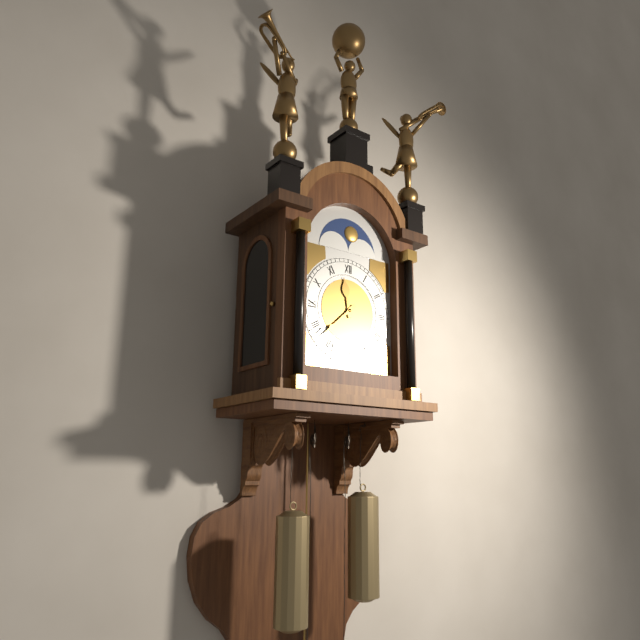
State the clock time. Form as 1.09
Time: 11.38
